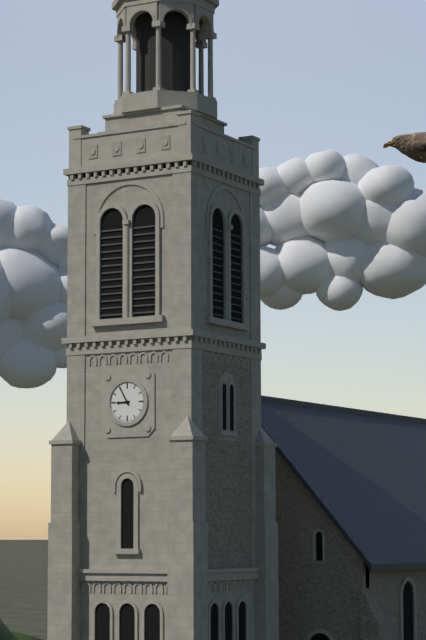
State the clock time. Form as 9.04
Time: 8.55
